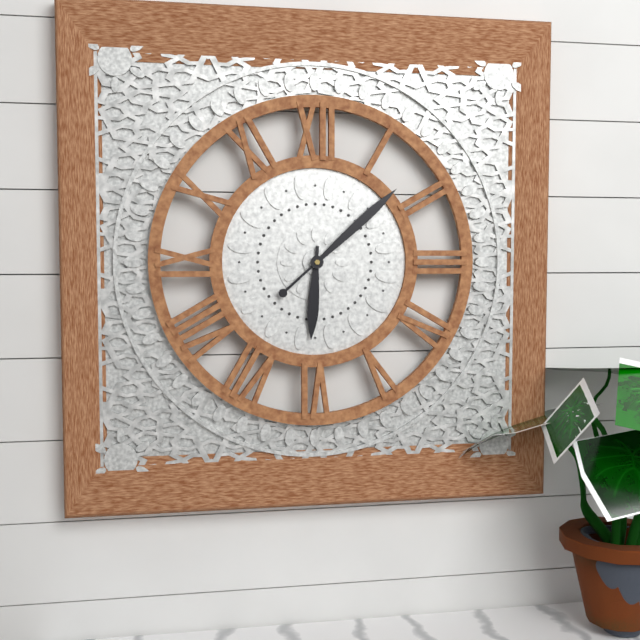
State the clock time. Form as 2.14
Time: 6.08
